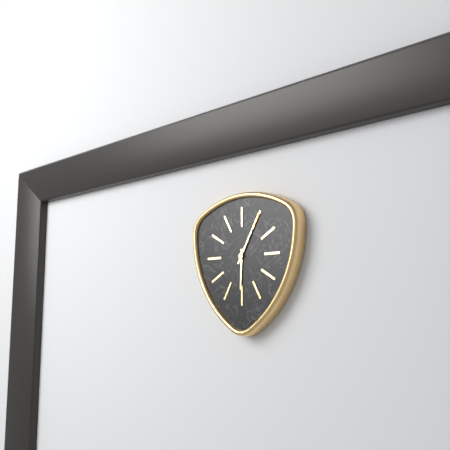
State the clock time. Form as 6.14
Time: 6.05
